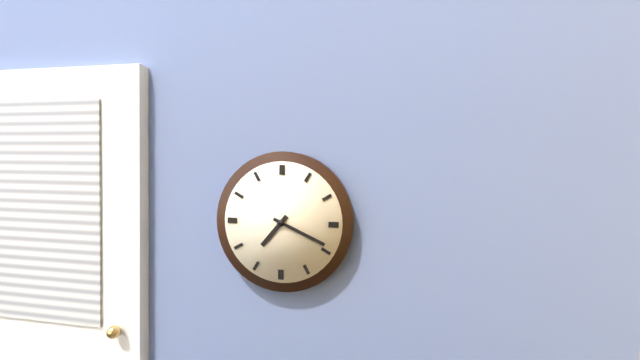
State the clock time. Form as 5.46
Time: 7.19
